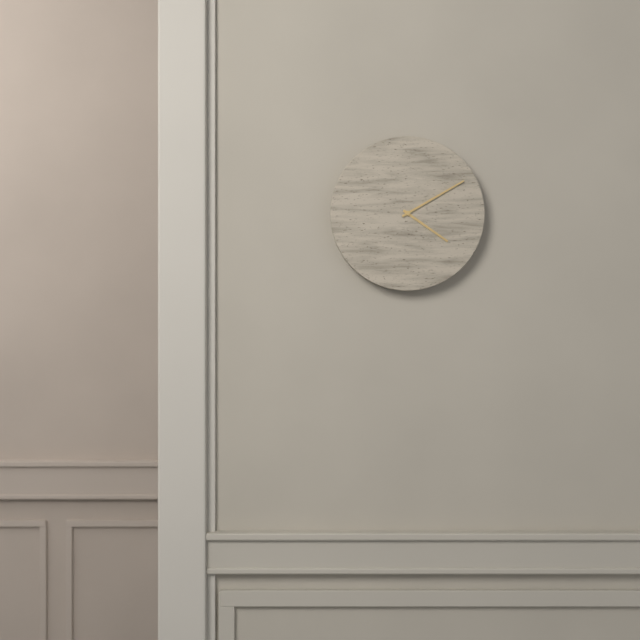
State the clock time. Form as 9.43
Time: 4.10
